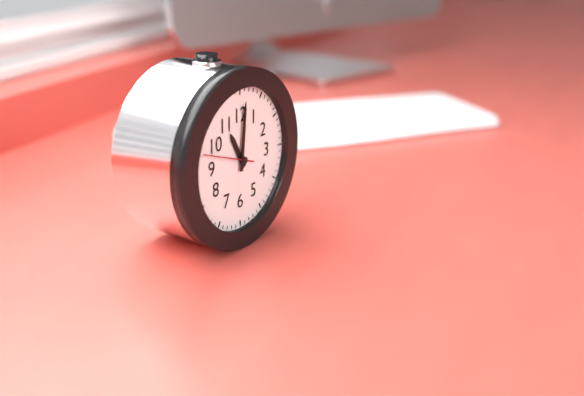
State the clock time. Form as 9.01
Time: 11.01
